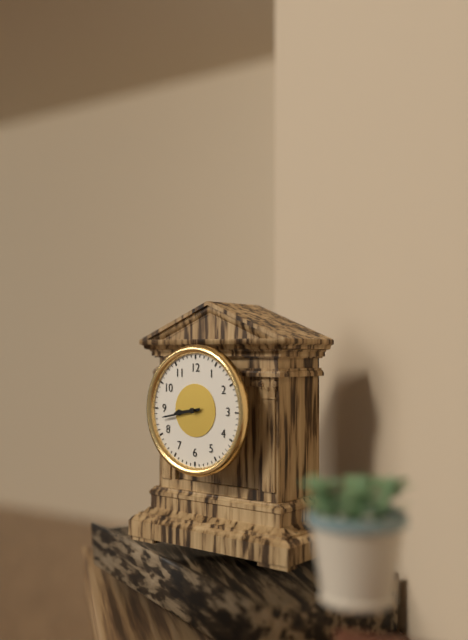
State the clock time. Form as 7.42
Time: 8.43
